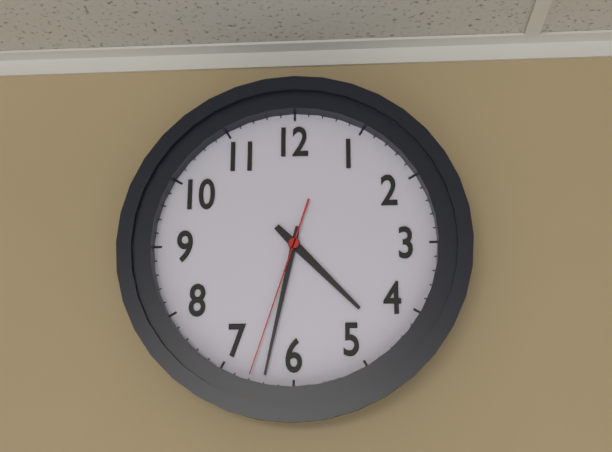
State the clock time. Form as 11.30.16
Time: 4.32.33
